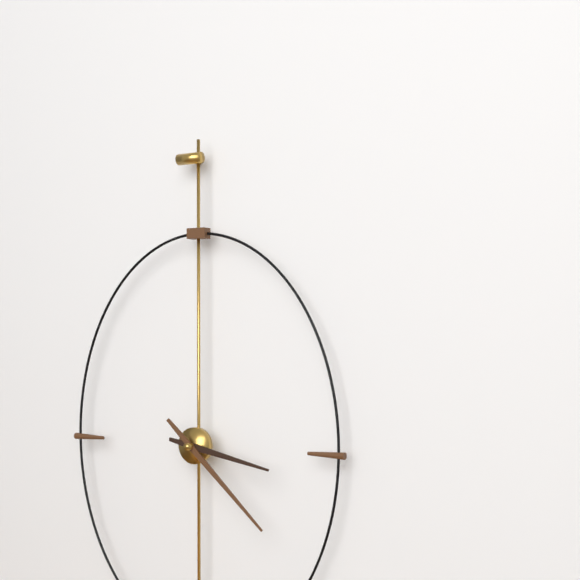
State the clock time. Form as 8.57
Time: 3.22
